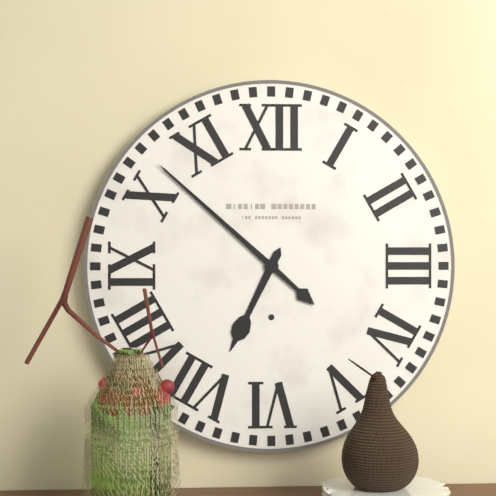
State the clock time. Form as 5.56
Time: 6.52
